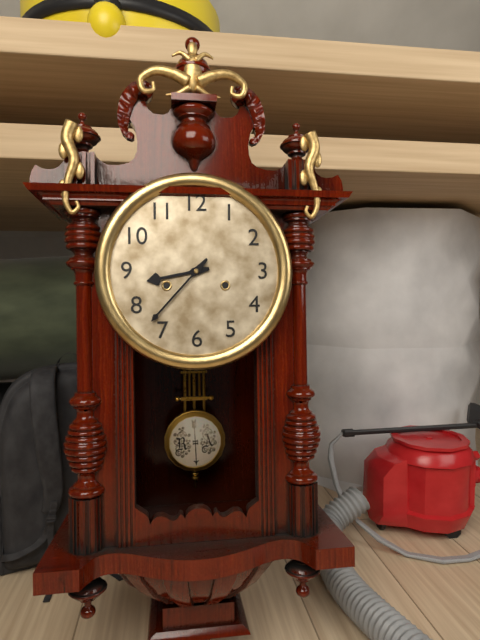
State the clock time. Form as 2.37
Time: 8.37
